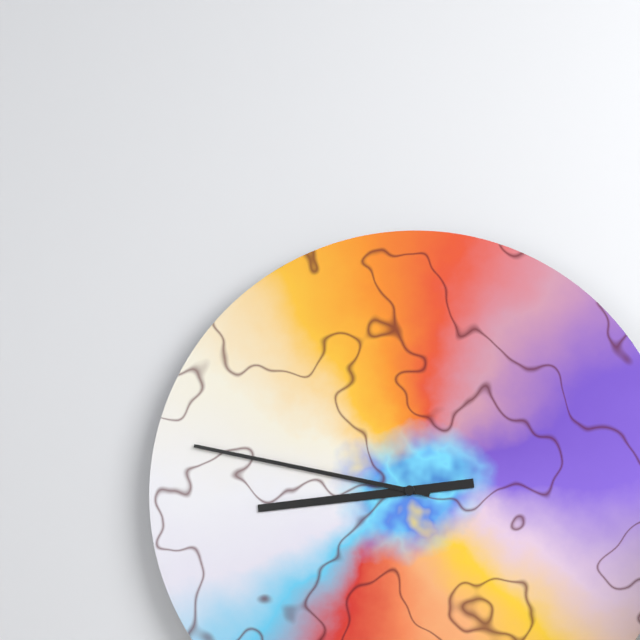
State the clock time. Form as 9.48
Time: 8.47
